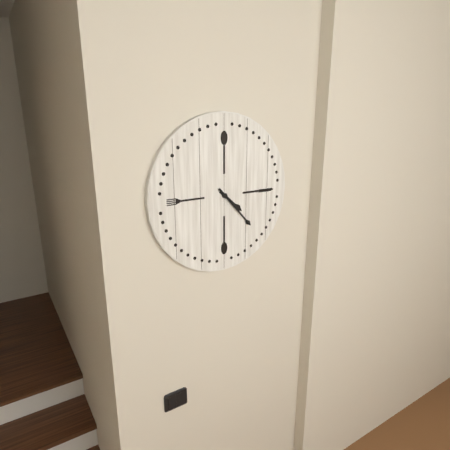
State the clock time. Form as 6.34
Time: 4.23
